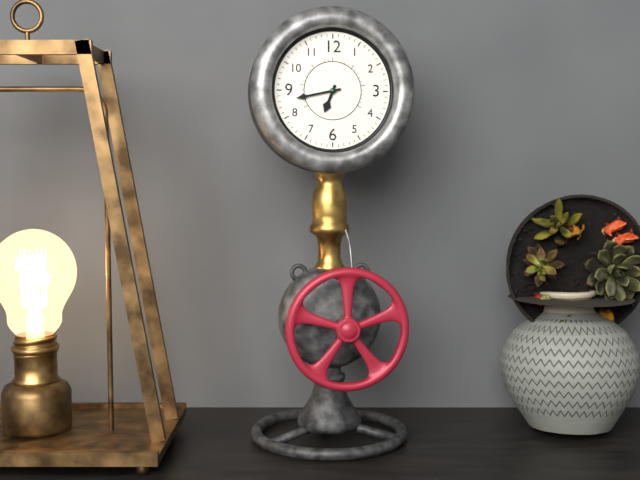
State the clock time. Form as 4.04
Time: 6.43
